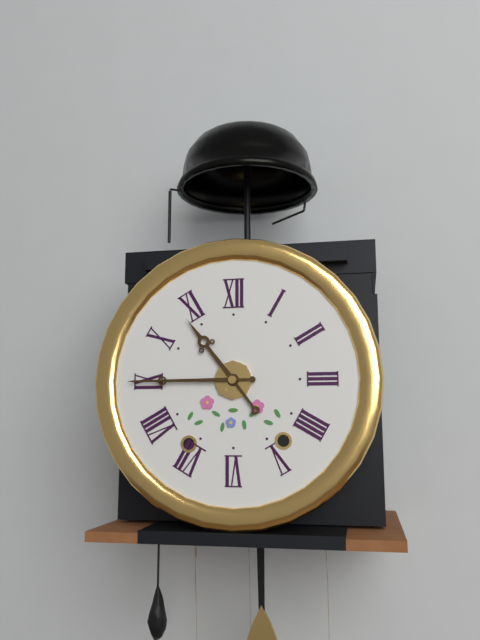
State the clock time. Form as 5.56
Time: 10.45
